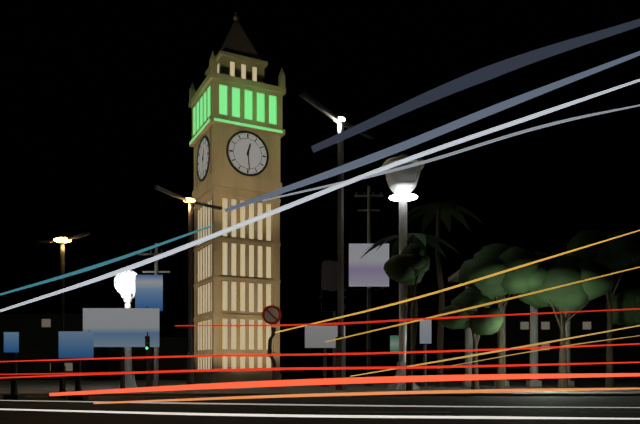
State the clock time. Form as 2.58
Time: 12.29
